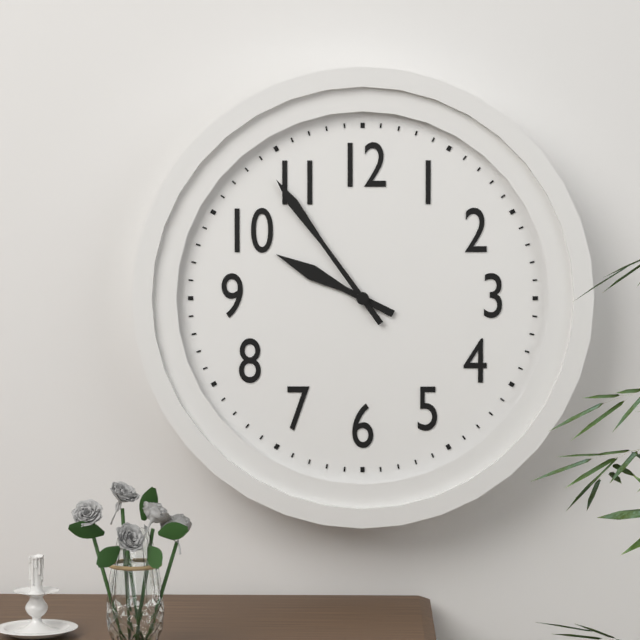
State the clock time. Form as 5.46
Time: 9.54
